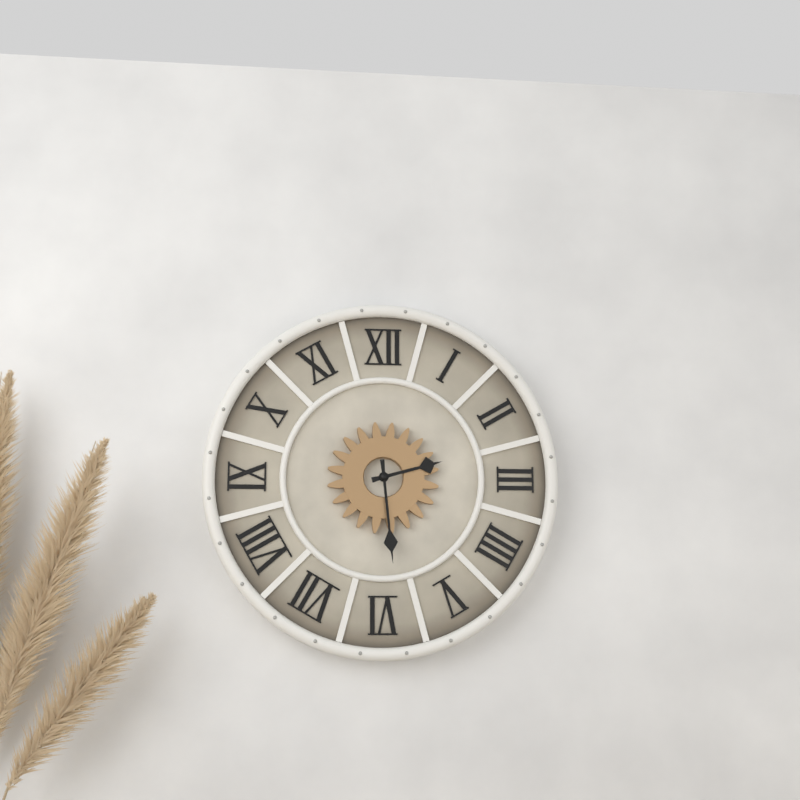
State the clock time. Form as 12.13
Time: 2.29
